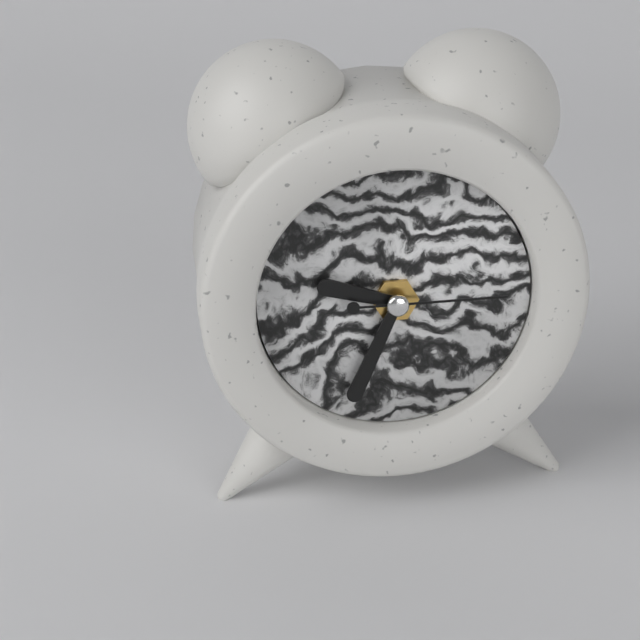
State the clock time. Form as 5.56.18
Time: 9.34.15
